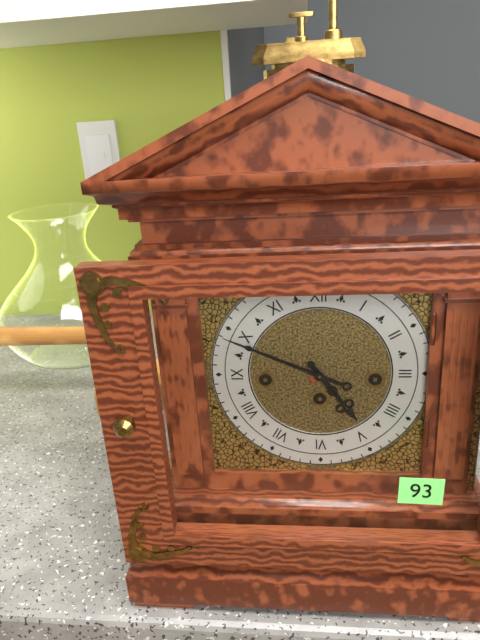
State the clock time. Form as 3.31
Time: 4.49
